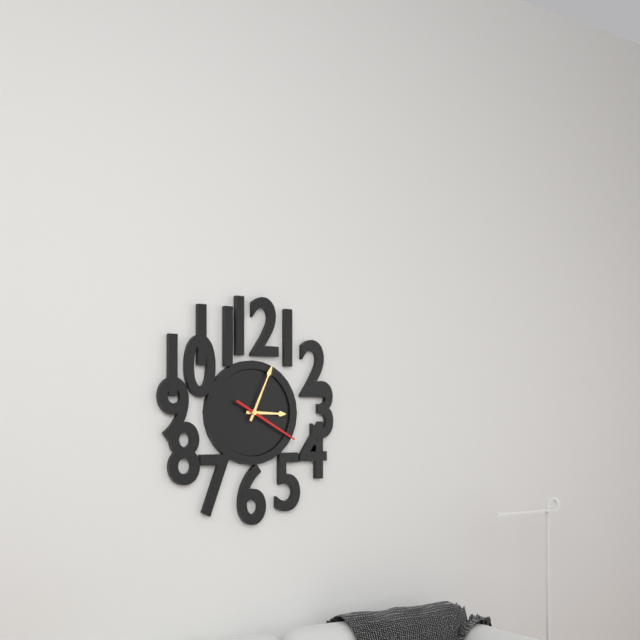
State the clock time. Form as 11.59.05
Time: 3.04.20
